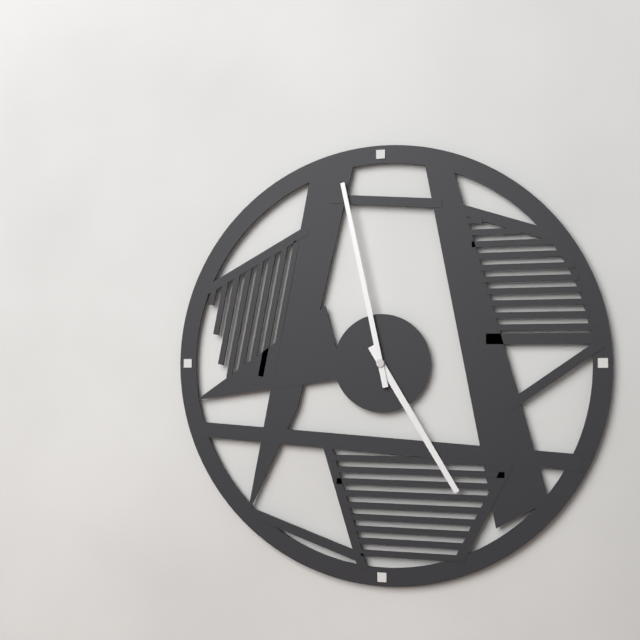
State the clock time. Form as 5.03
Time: 4.58
